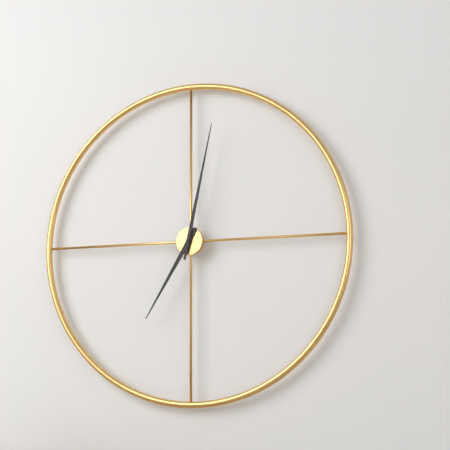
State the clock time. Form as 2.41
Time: 7.02
